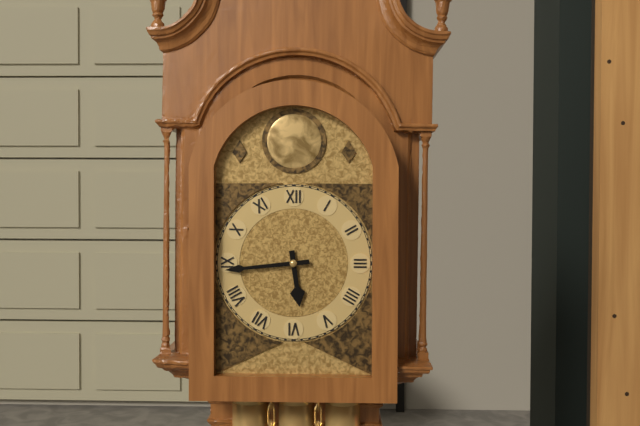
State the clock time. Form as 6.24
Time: 5.44
